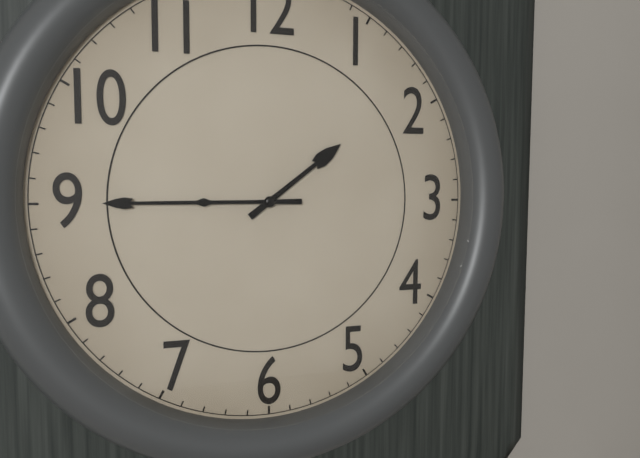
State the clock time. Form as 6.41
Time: 1.45
